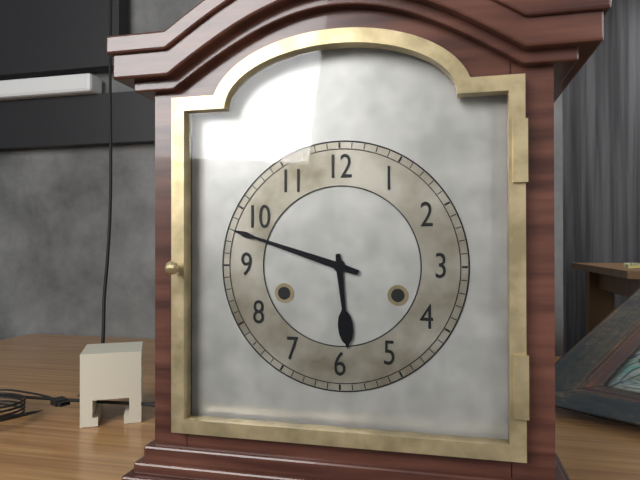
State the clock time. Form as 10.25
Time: 5.48
